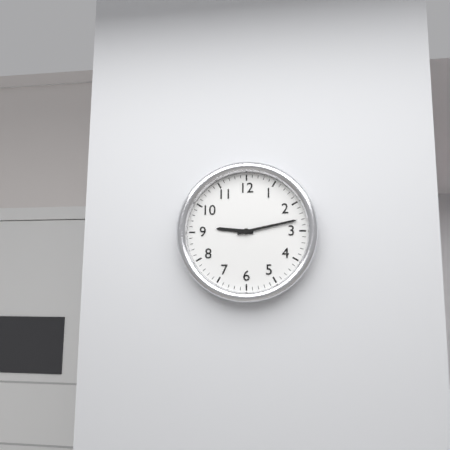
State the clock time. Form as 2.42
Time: 9.13
